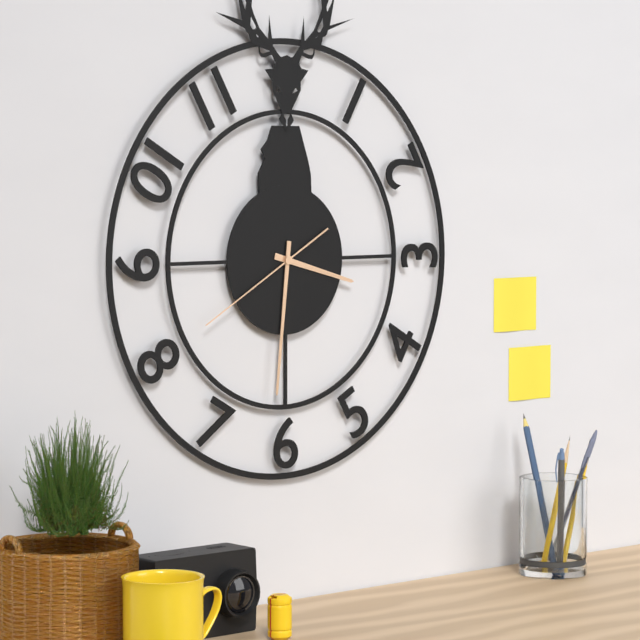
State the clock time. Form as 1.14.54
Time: 3.31.40
